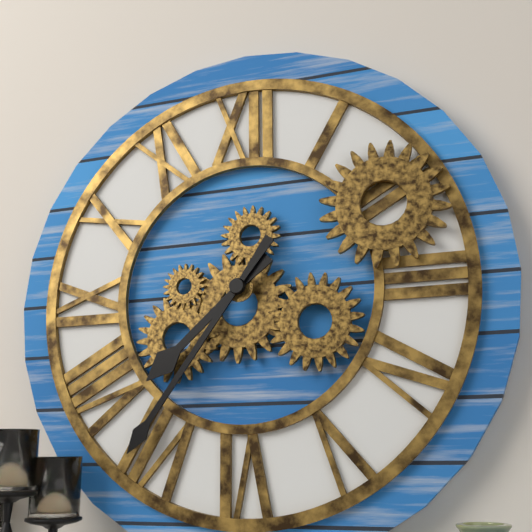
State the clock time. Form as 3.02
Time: 7.36
